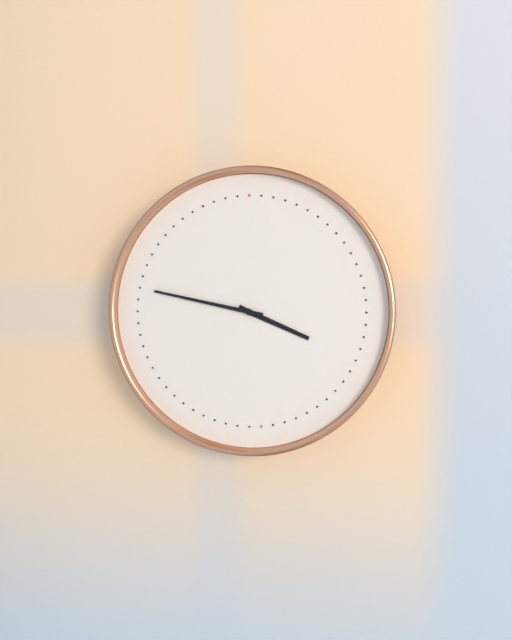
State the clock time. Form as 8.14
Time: 3.47
